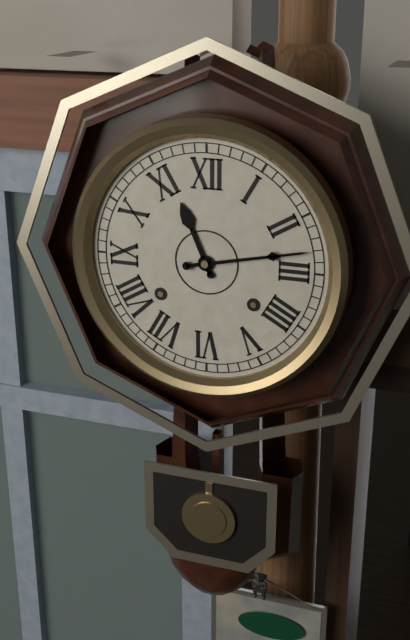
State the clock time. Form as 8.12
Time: 11.13
